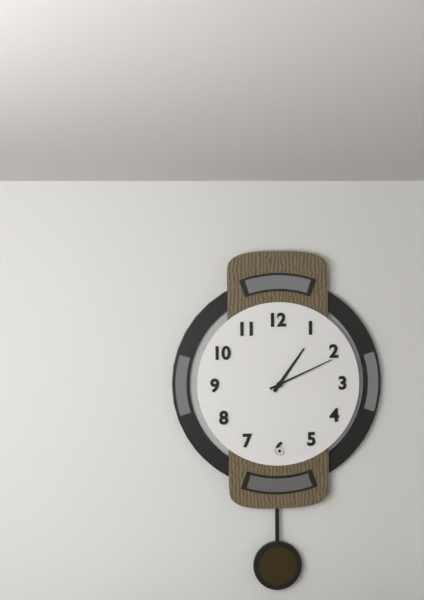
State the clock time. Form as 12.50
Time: 1.11
